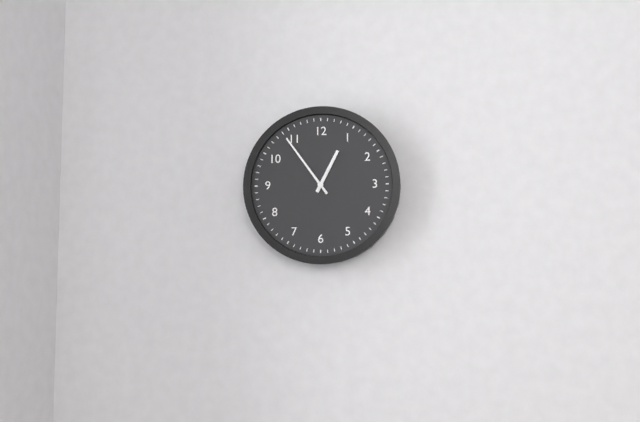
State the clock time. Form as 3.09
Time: 12.54
